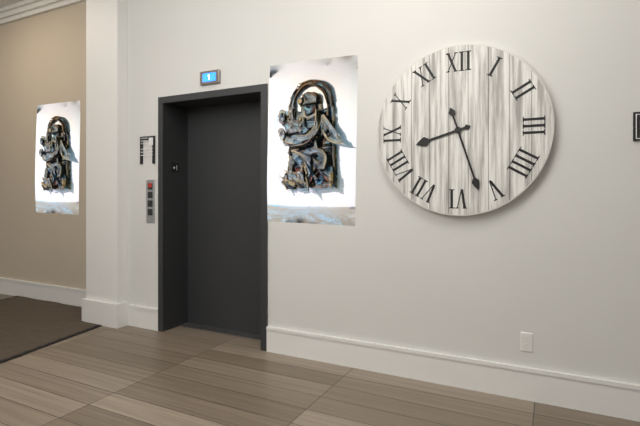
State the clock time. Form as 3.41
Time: 8.27
